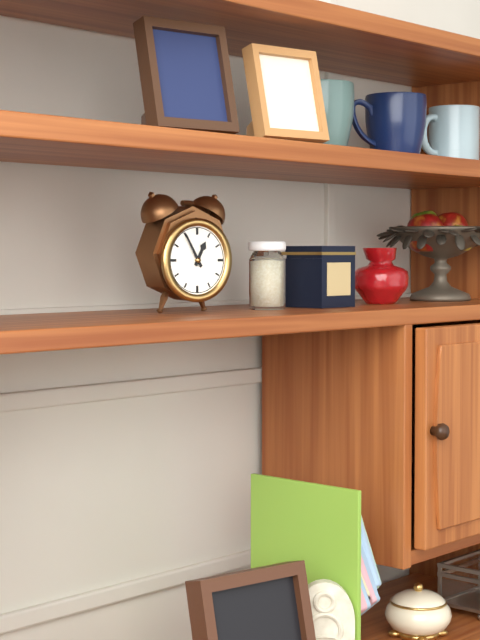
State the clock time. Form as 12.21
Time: 12.55
